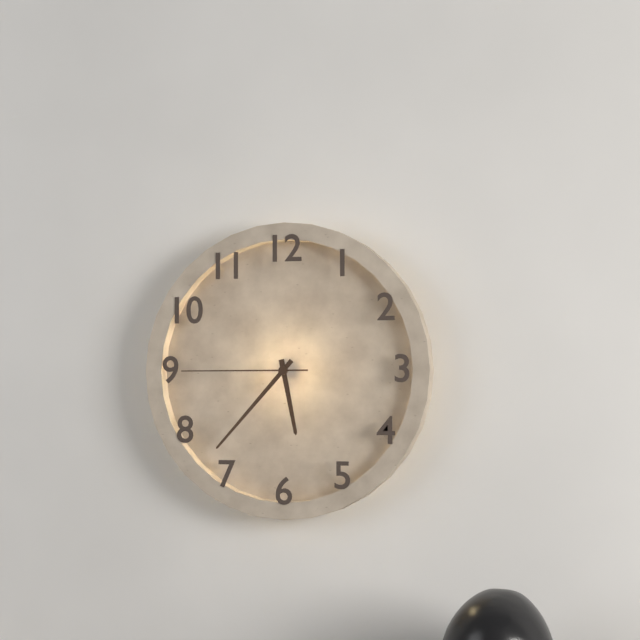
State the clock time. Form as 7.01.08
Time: 5.37.45
